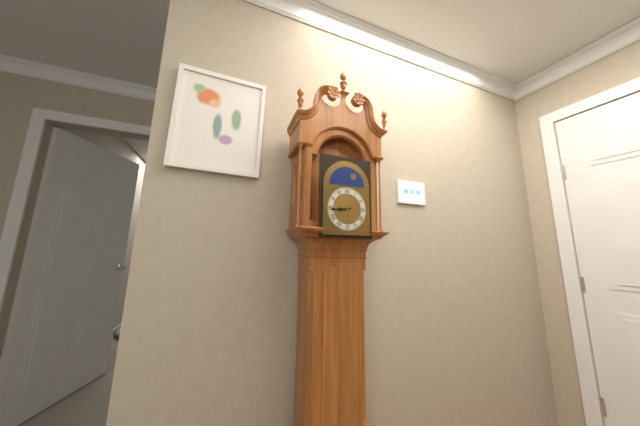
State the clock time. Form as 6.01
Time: 8.44
